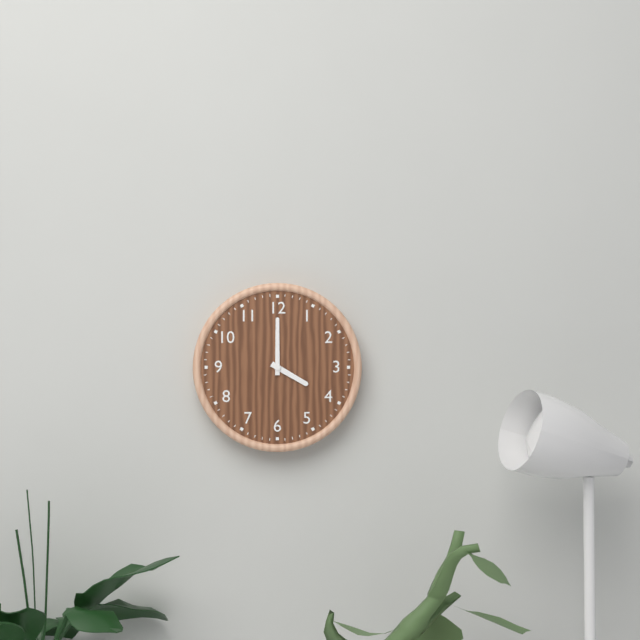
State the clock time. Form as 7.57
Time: 4.00
